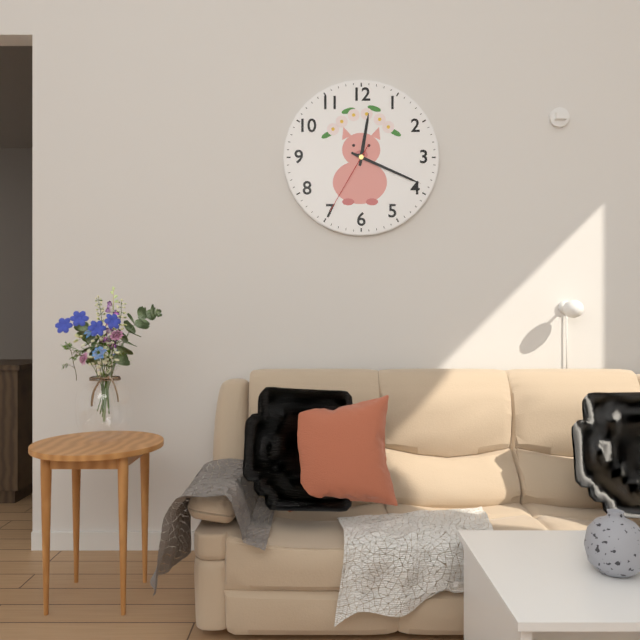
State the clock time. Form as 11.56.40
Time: 12.19.35
